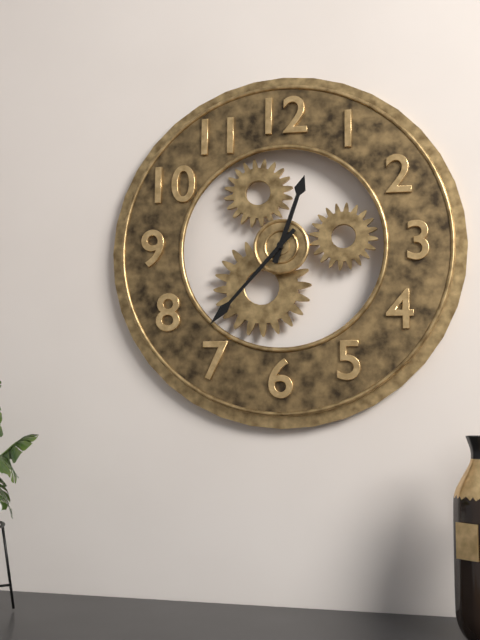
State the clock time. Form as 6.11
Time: 12.37
